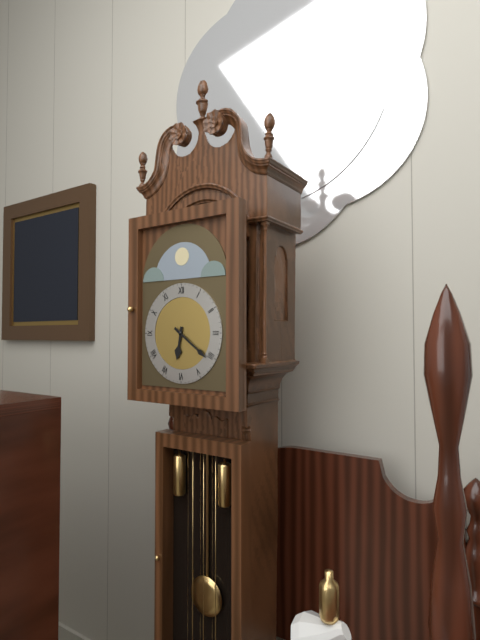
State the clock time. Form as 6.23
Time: 6.21
